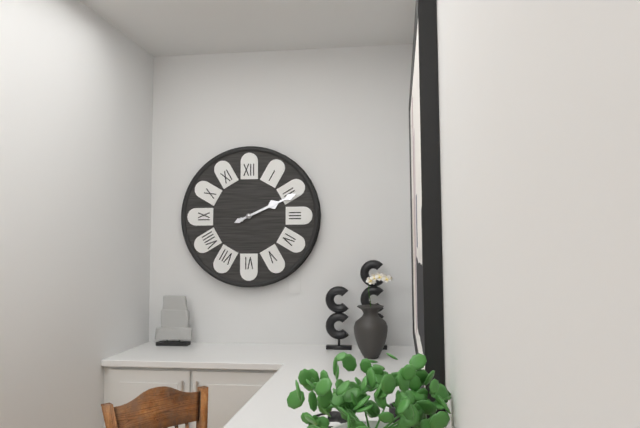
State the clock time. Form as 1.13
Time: 2.11
